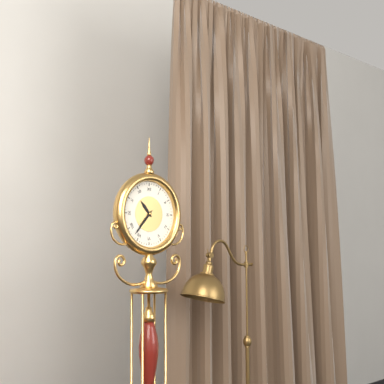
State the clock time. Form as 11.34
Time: 10.37
